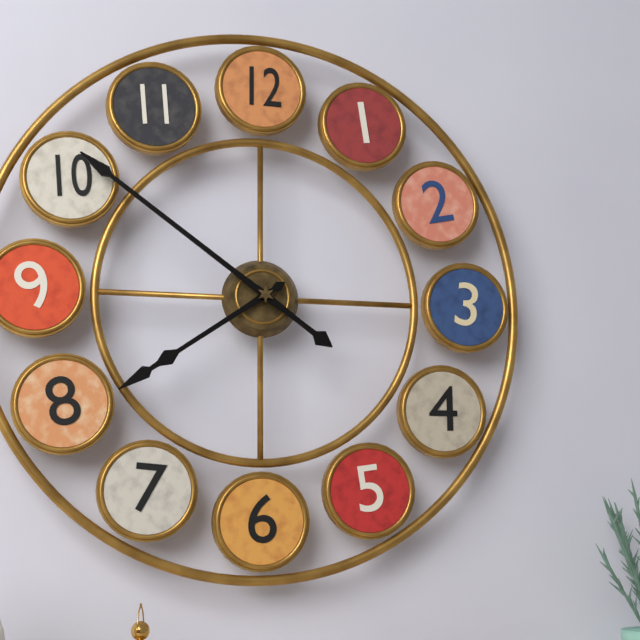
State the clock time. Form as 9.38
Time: 7.51
